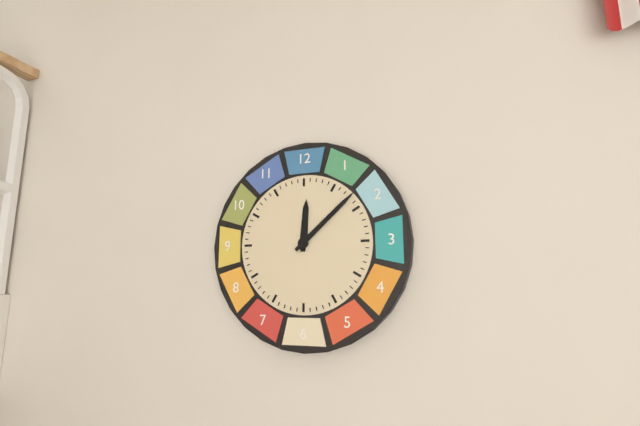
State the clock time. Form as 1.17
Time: 12.08
